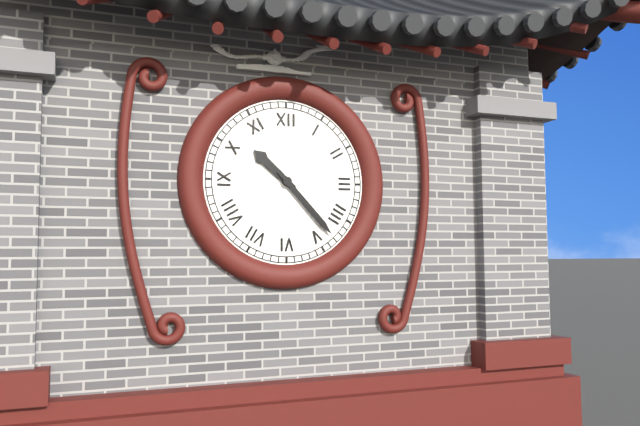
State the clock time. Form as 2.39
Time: 10.23
